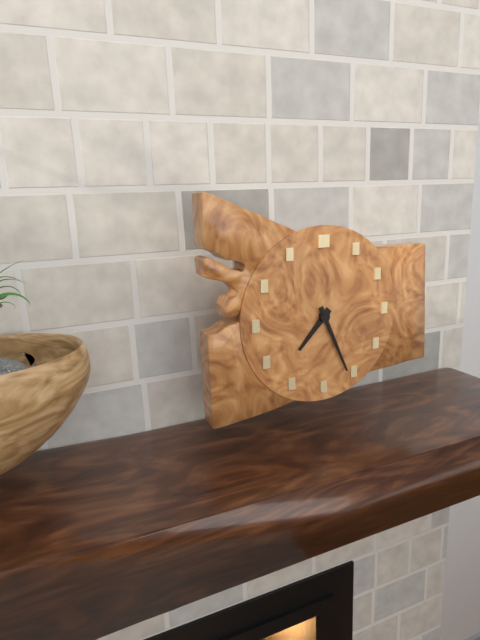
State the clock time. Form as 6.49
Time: 7.26
